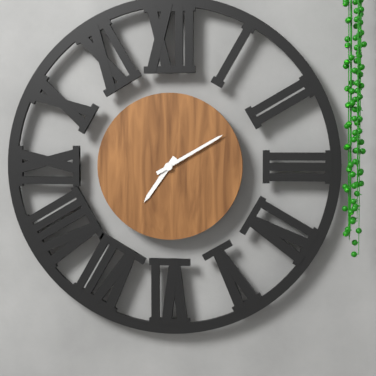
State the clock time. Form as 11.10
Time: 7.10
